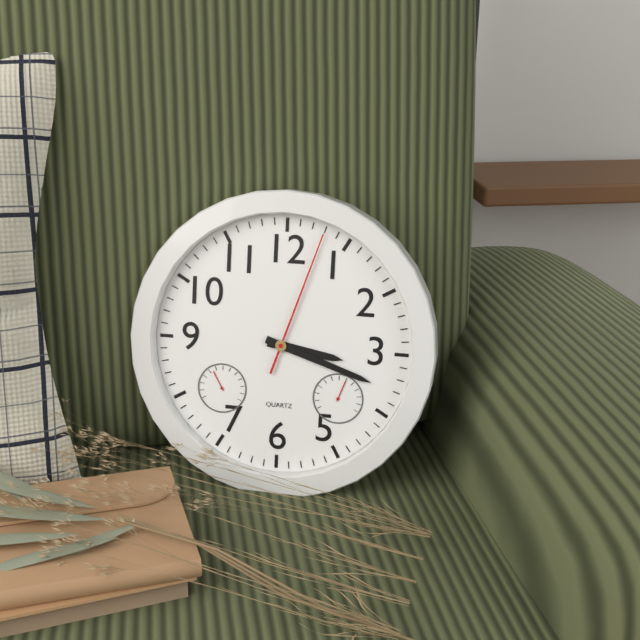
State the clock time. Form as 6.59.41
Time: 3.18.03
